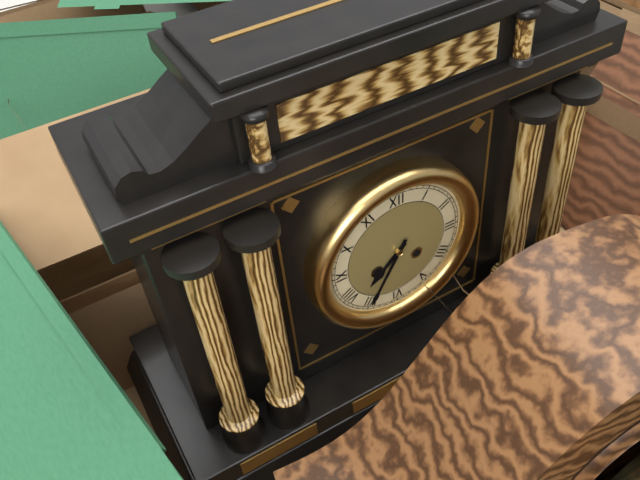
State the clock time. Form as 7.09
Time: 7.35
